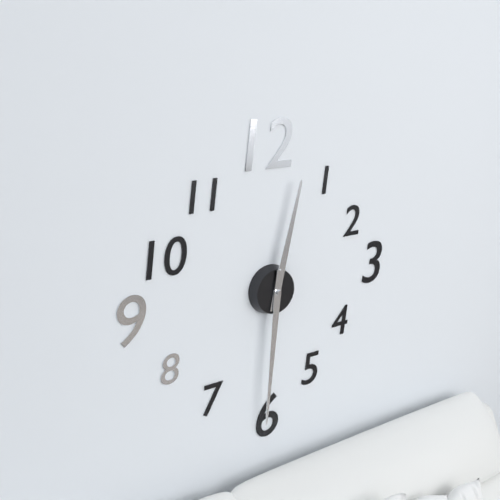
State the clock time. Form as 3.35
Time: 12.31
